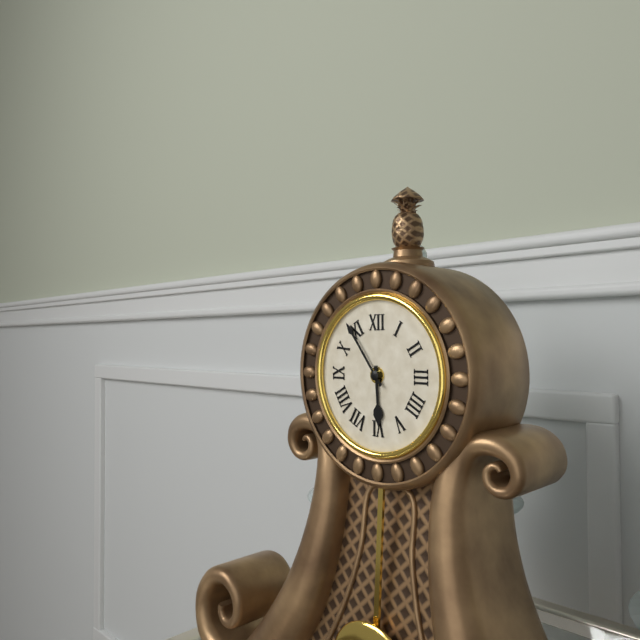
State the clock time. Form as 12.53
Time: 5.54
